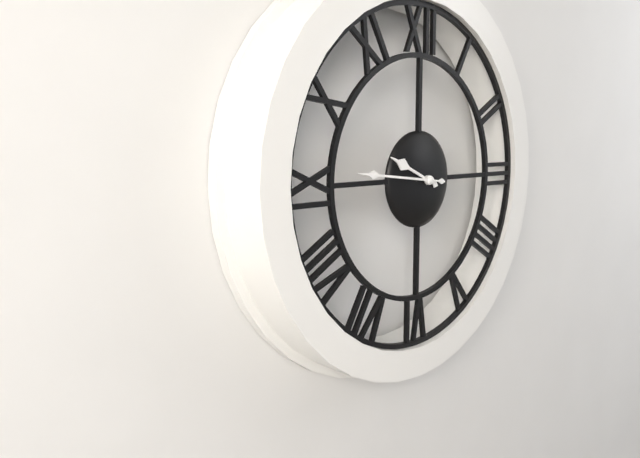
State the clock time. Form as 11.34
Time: 9.46
